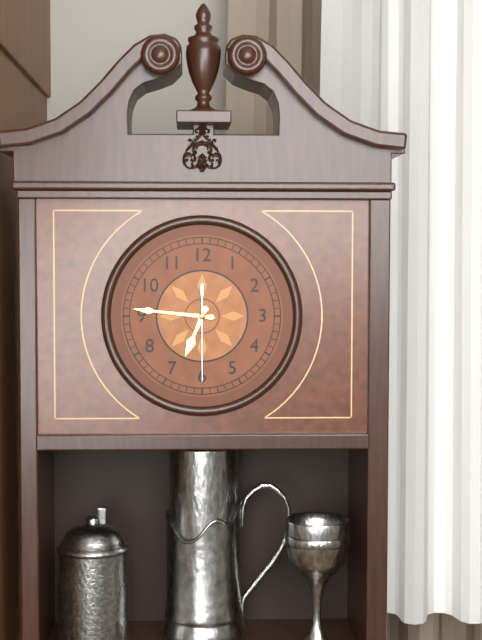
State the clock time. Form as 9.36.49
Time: 6.46.30
